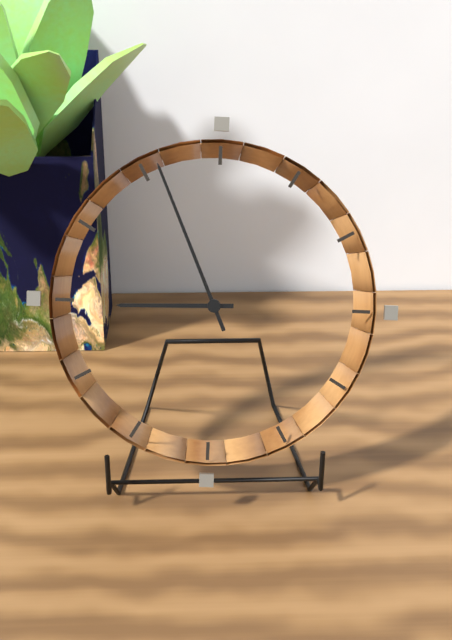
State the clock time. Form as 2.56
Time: 8.56
